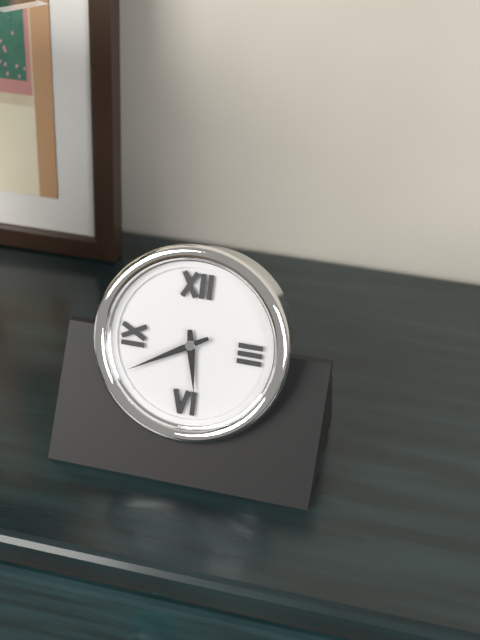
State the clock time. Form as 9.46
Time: 5.40
